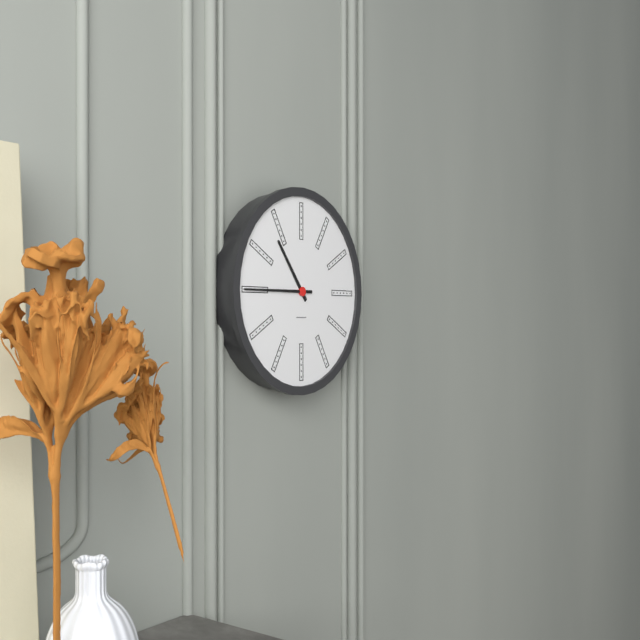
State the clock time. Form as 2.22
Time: 10.45
